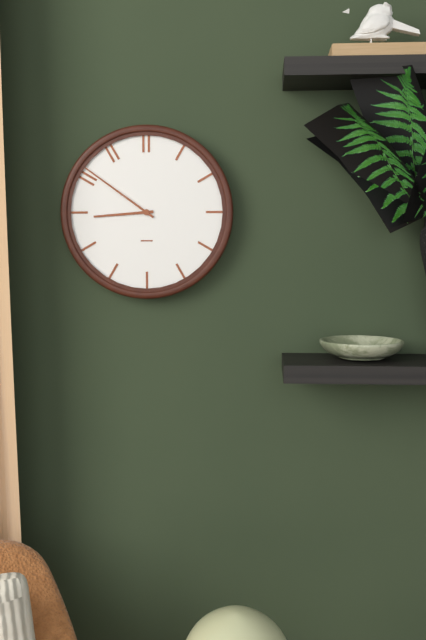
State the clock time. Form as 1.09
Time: 8.51
